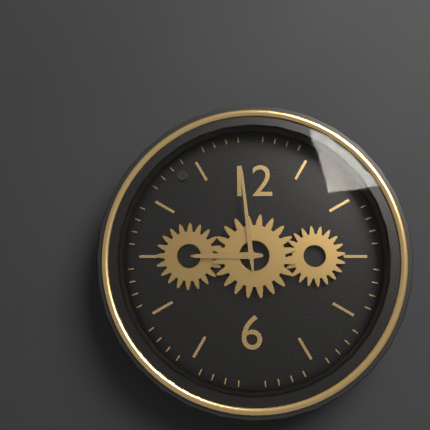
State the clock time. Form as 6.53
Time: 8.59
